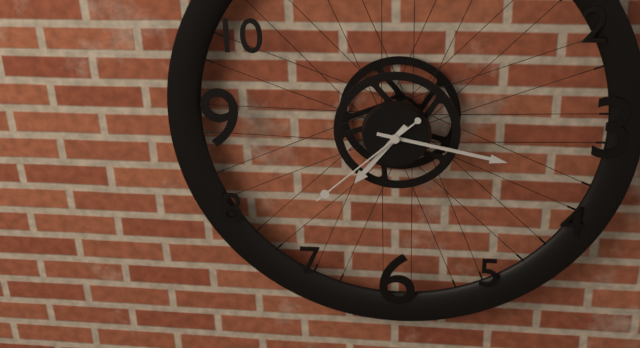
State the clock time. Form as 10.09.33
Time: 7.17.38
